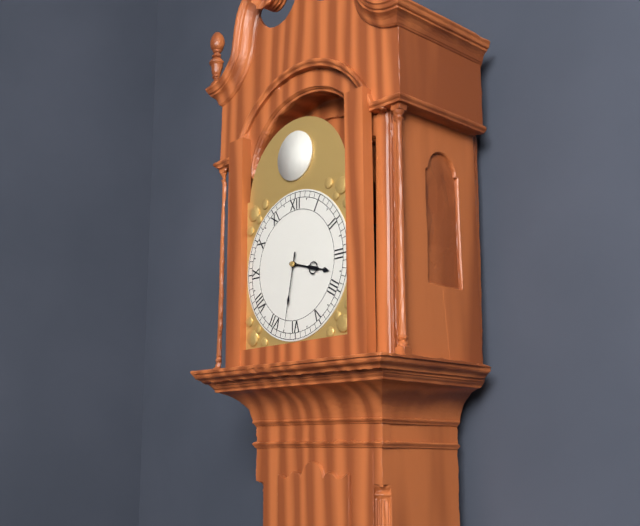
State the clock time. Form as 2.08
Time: 3.32
